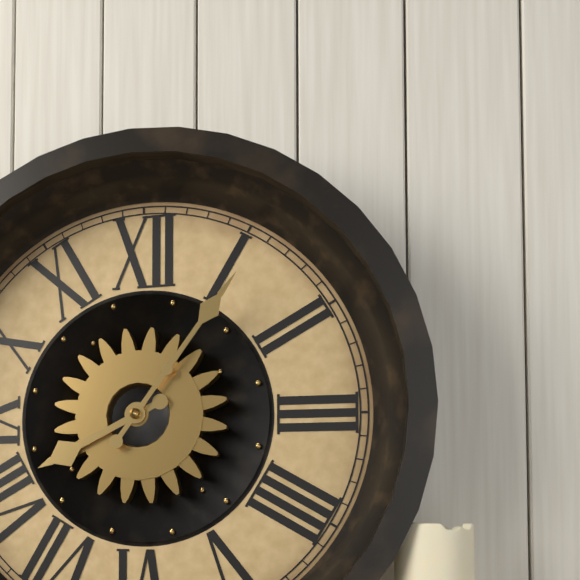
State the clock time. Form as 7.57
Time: 8.06
